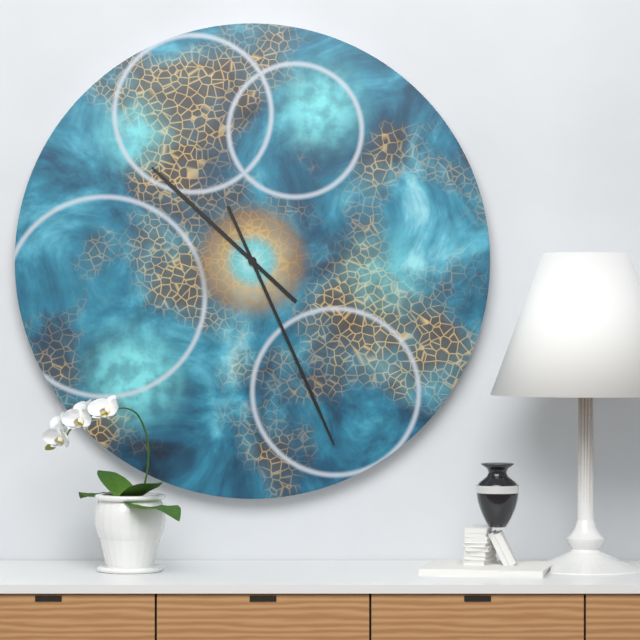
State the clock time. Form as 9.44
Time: 10.26
